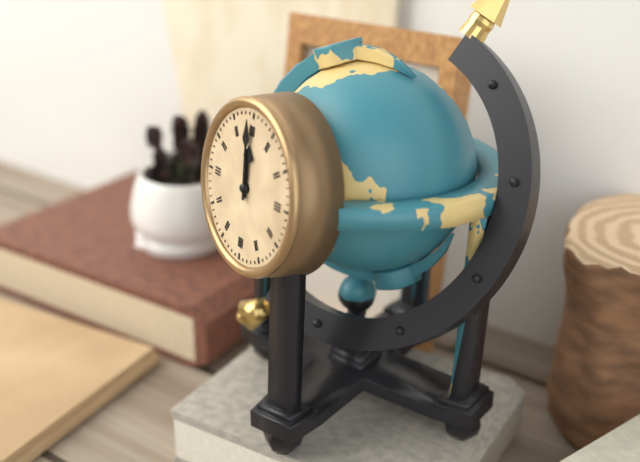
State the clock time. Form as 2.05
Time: 11.59
